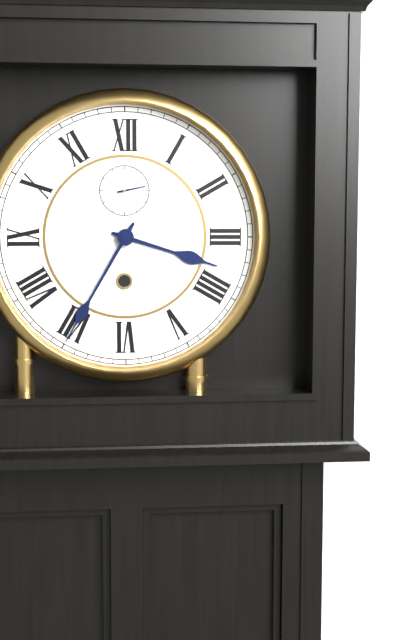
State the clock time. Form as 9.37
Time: 3.35
